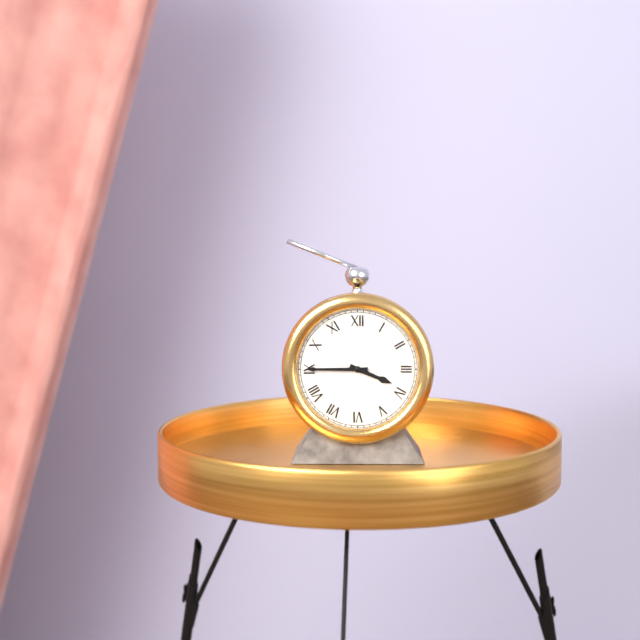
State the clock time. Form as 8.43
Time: 3.45
